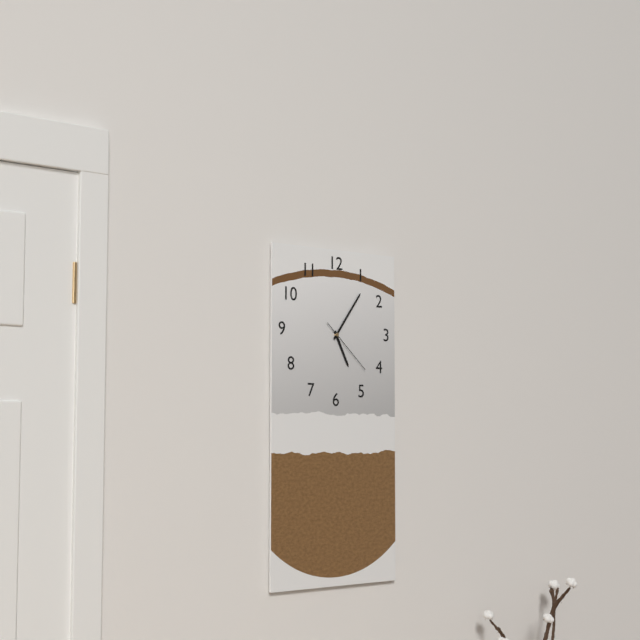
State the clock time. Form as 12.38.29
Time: 5.06.22
